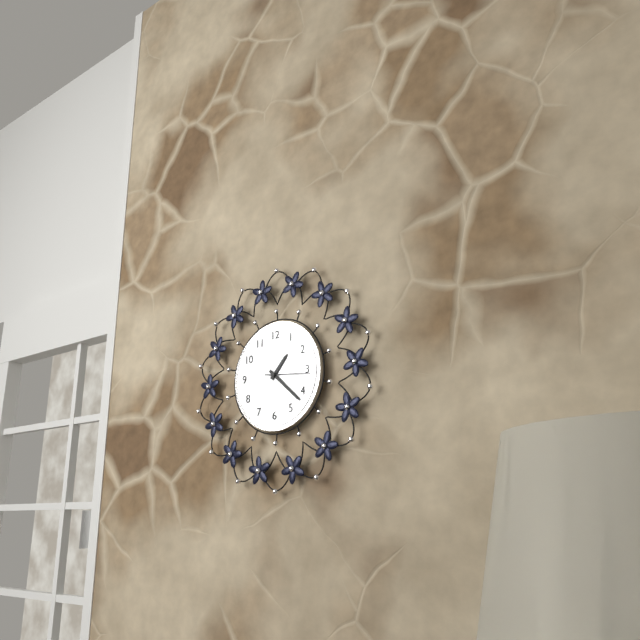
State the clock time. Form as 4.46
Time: 1.22
